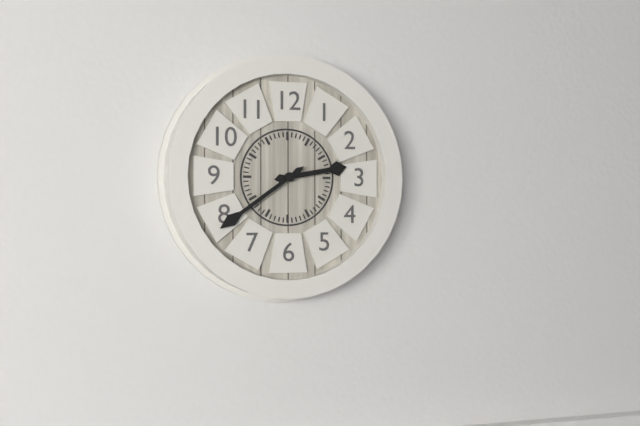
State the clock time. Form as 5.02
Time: 2.39
